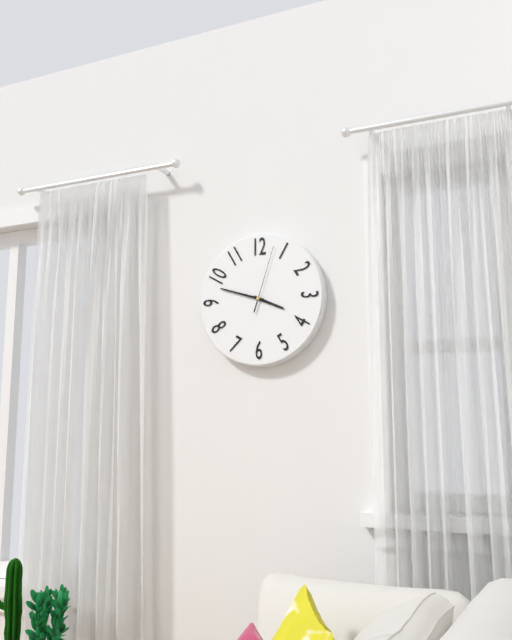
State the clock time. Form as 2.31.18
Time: 3.48.03
